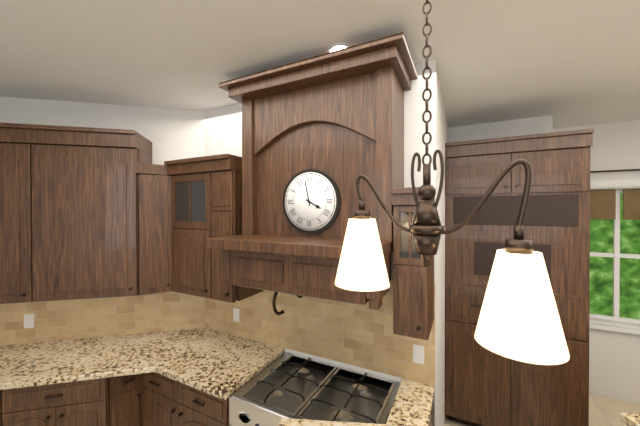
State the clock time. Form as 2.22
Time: 3.58
